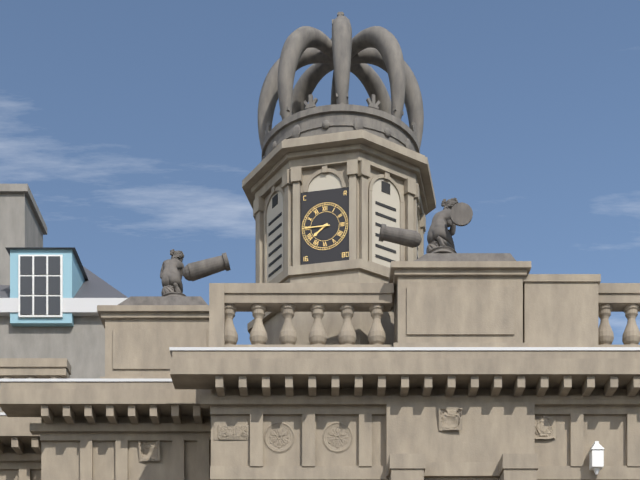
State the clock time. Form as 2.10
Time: 7.45
